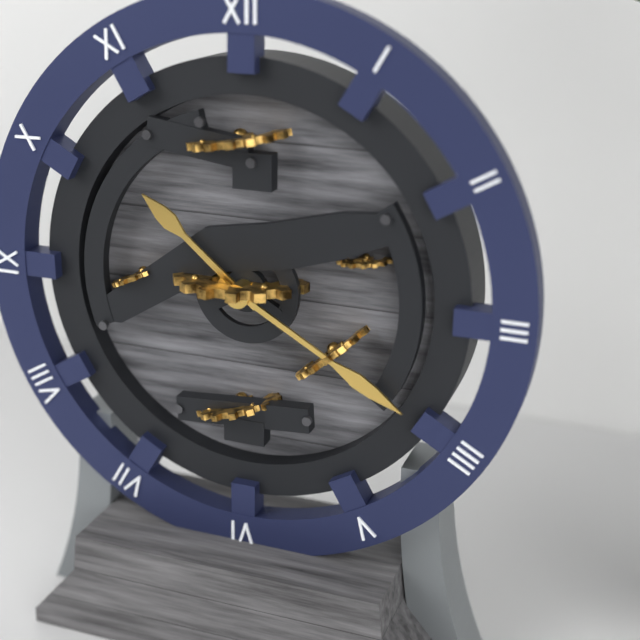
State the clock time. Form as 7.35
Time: 10.20
